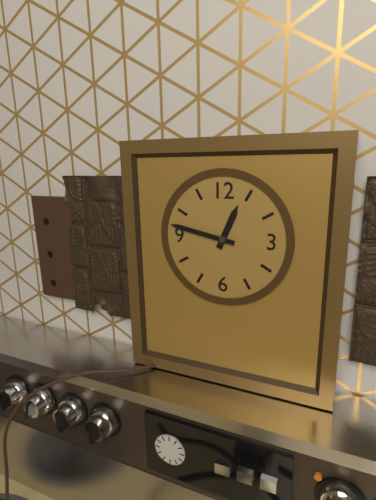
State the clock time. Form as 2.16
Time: 12.47
